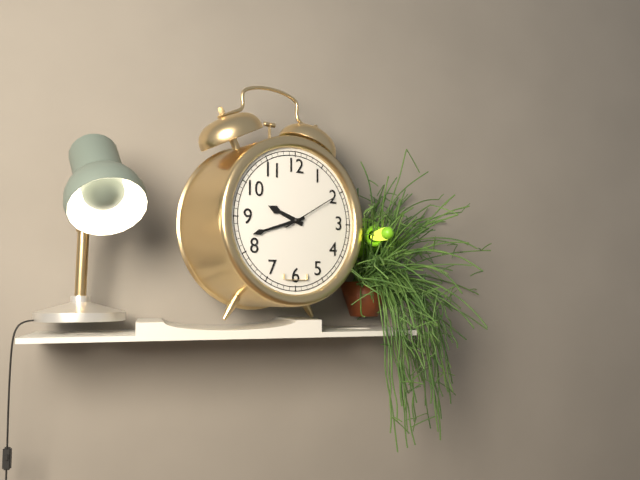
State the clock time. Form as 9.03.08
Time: 9.42.10
